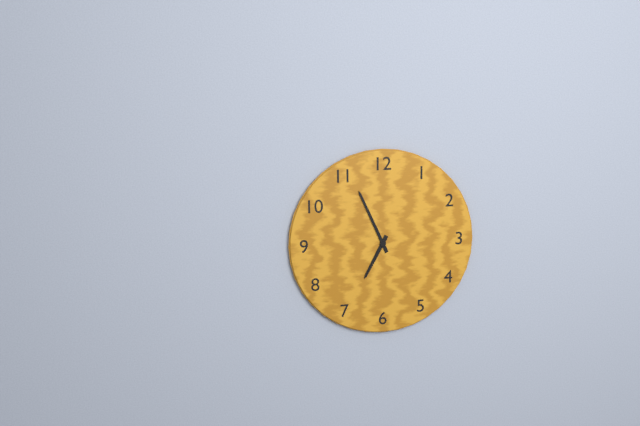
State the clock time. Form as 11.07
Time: 6.56
